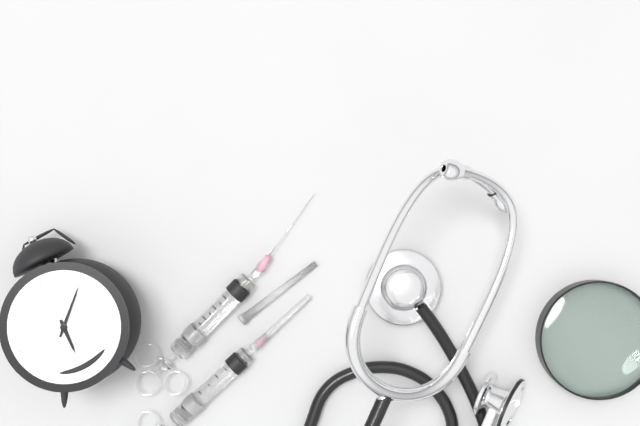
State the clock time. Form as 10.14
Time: 6.08
